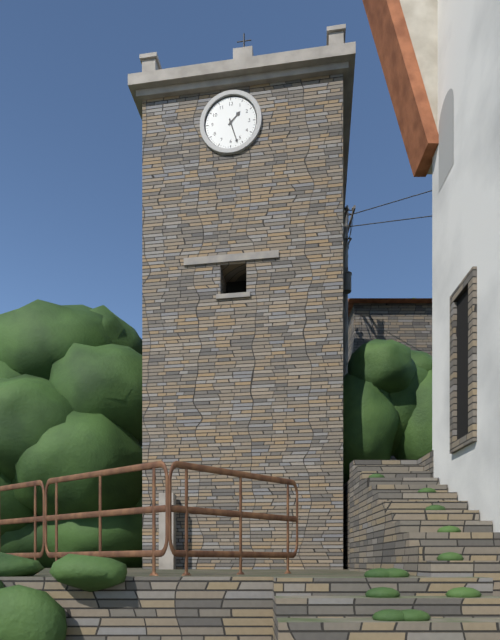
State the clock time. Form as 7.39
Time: 1.27
